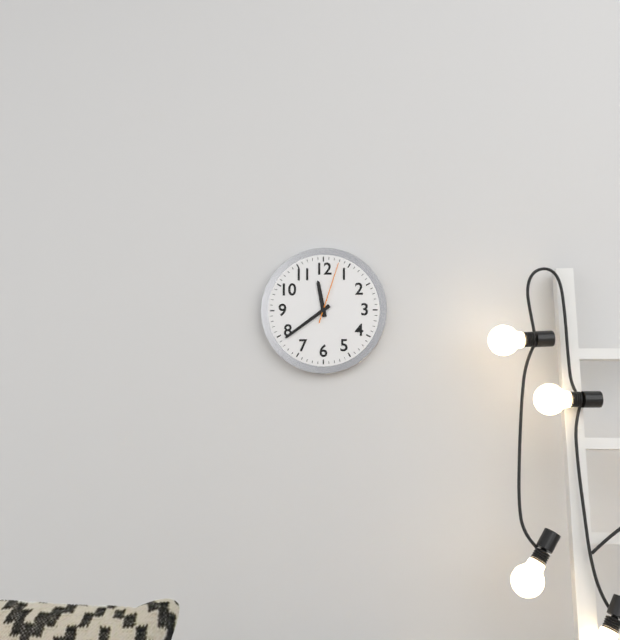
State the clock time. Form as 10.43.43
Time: 11.39.03
